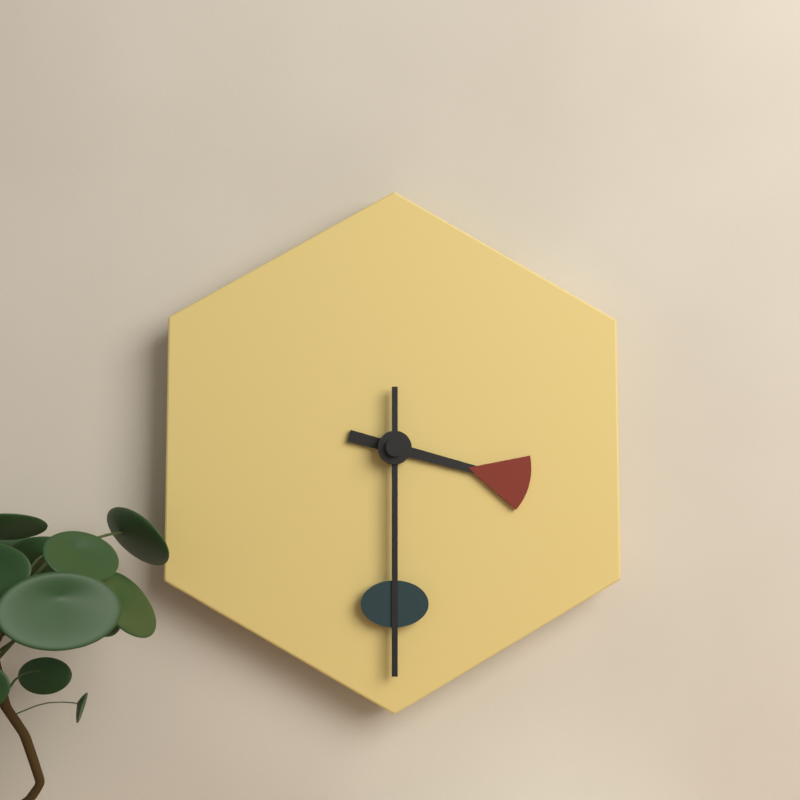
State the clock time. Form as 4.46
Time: 3.30
